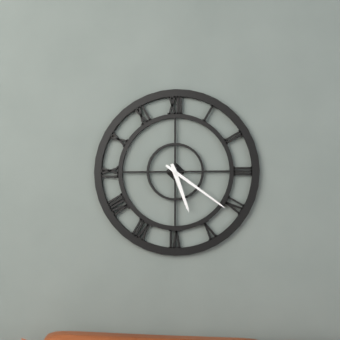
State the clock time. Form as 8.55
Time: 5.21
